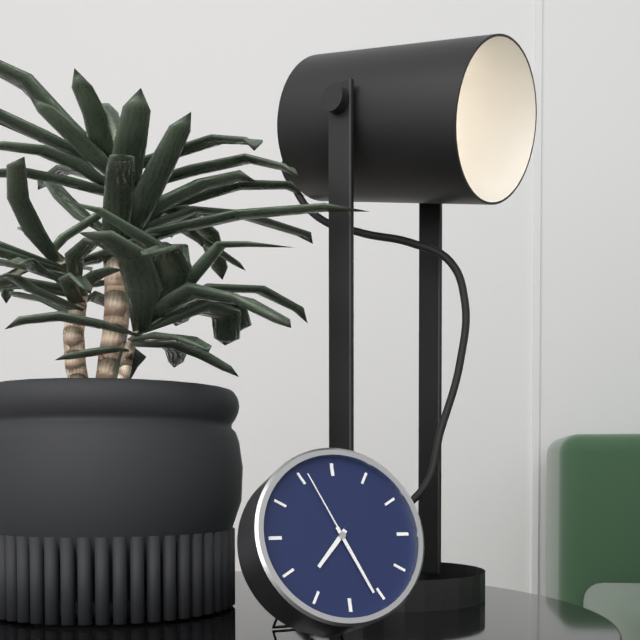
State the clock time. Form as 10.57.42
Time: 7.26.56
